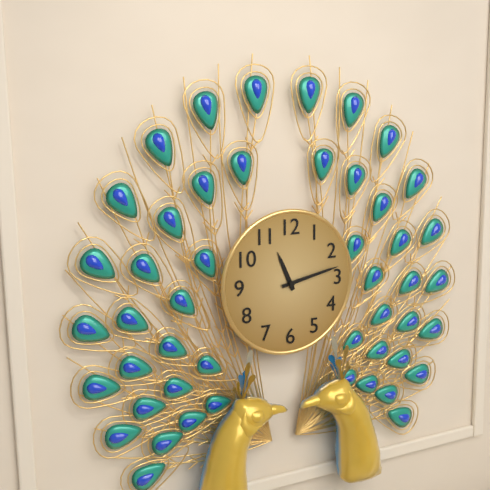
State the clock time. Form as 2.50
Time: 11.13
